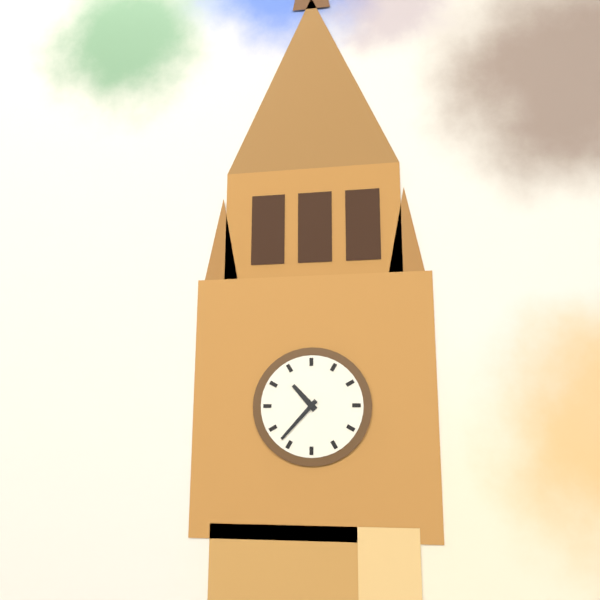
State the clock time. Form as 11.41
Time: 10.37
